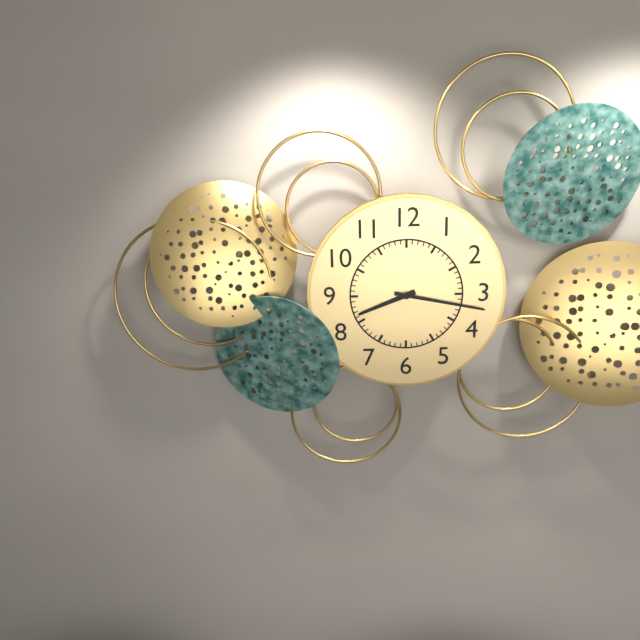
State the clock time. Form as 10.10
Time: 8.17
